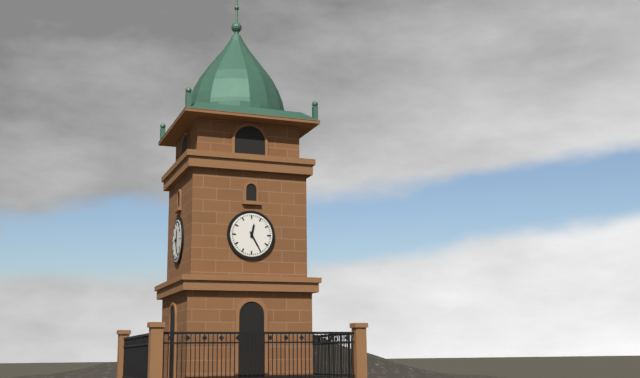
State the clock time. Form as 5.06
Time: 12.25
